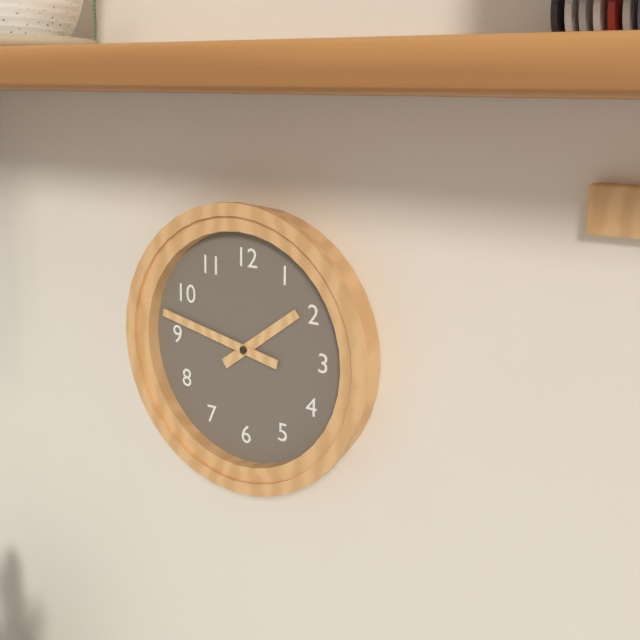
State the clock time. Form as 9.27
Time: 1.47
